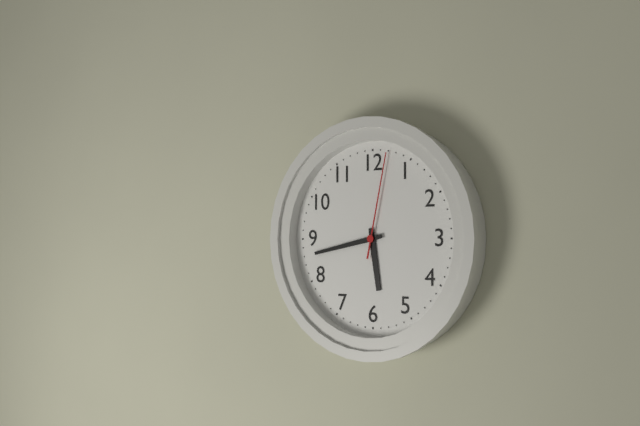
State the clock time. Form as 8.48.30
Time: 5.43.02
